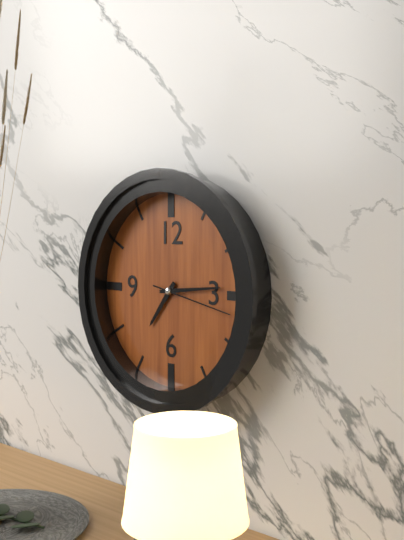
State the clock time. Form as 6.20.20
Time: 7.14.17
